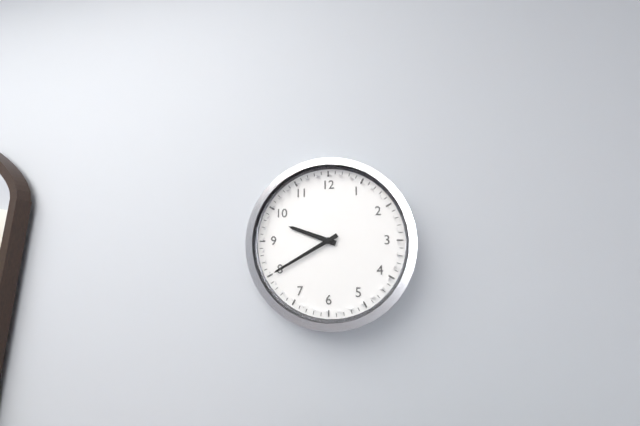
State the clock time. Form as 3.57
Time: 9.40
